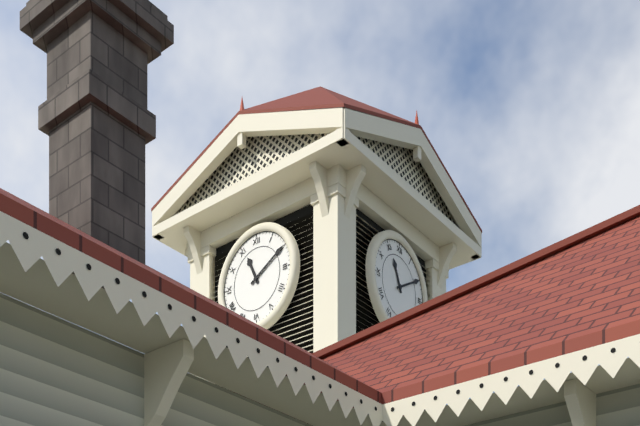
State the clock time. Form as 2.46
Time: 11.10
